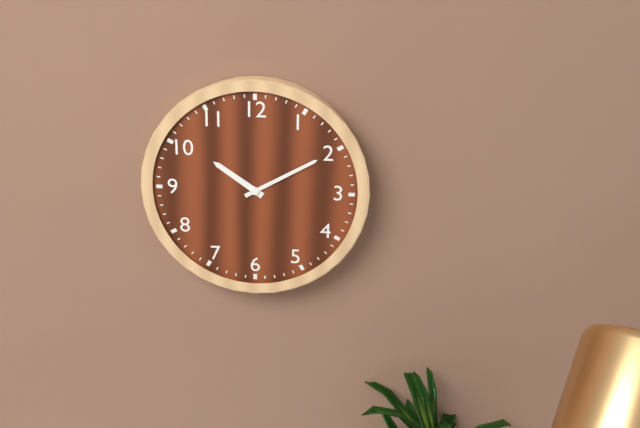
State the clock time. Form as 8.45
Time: 10.10
